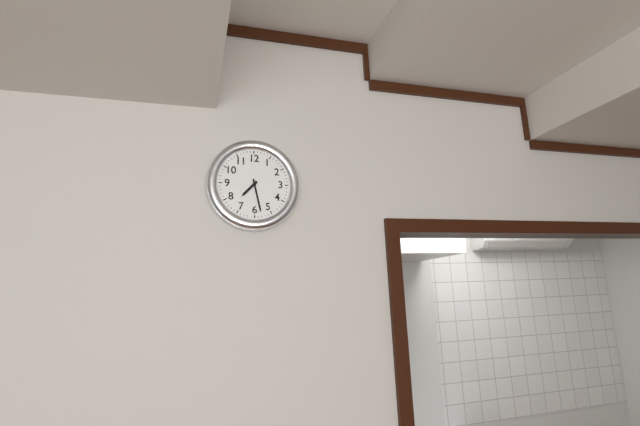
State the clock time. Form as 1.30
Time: 7.28
